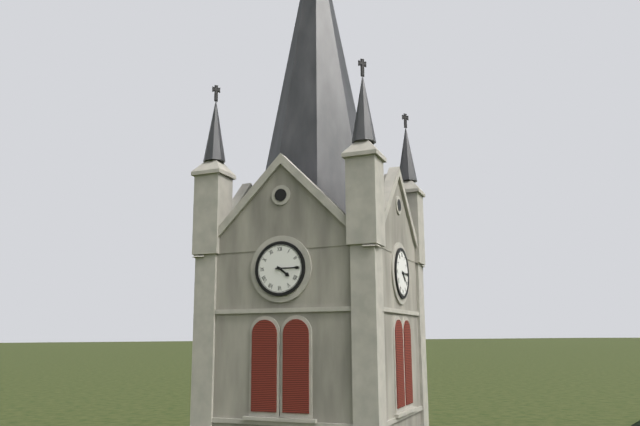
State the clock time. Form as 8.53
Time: 4.15
